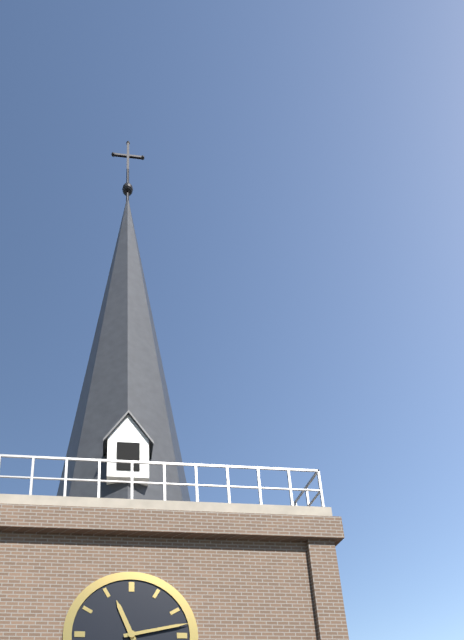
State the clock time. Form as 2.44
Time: 11.13
